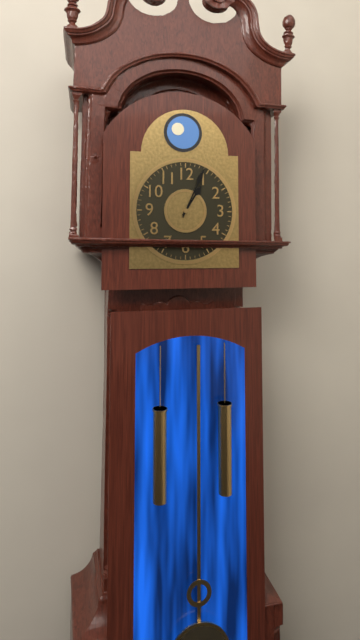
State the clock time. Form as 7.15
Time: 1.04
